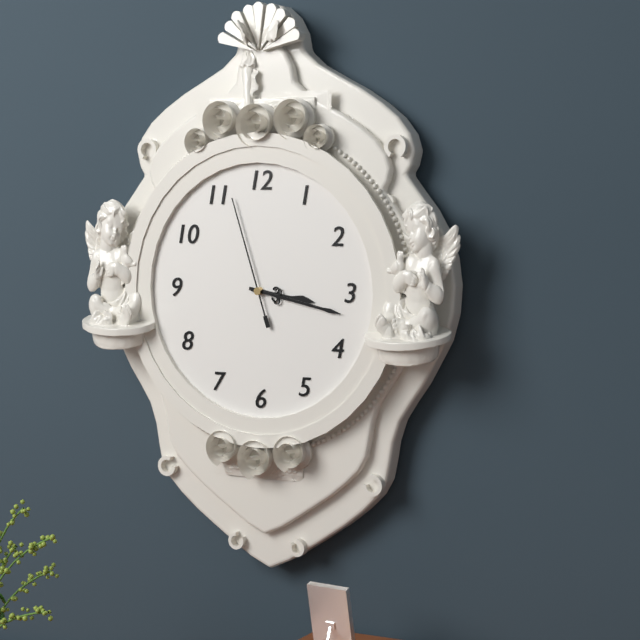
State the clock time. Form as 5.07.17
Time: 3.17.57
